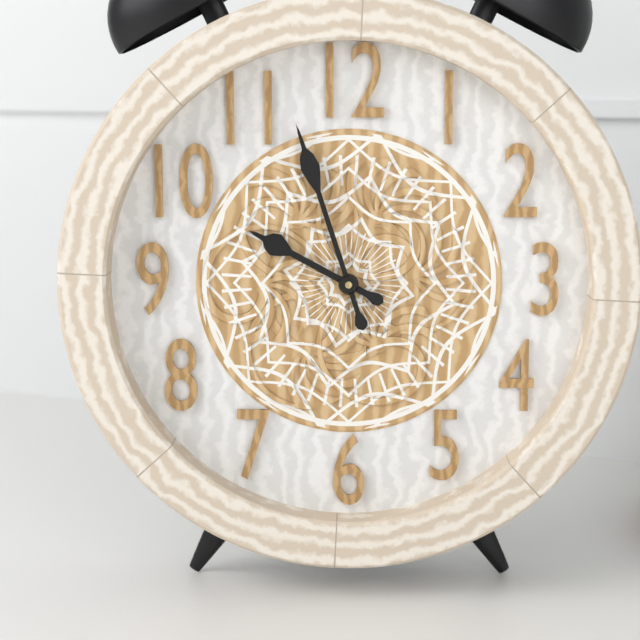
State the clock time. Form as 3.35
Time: 9.57
